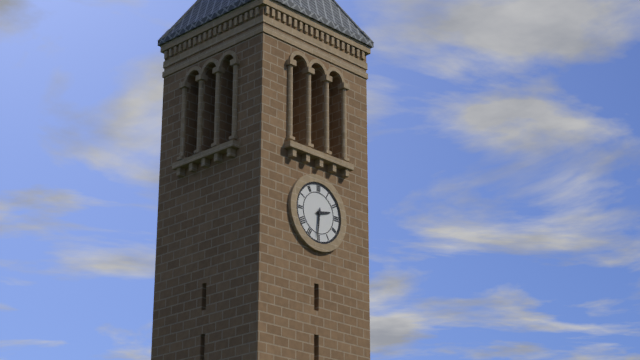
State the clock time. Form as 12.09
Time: 2.31
